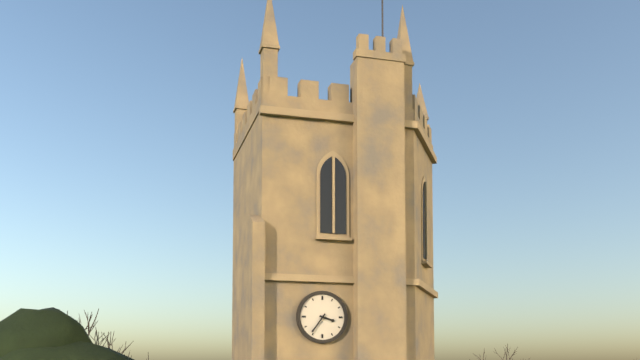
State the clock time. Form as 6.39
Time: 3.36
